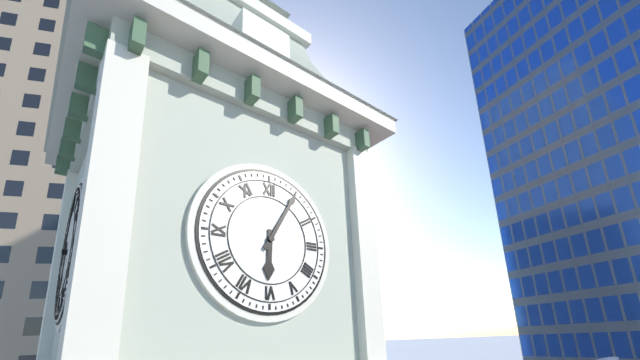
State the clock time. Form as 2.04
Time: 6.05
